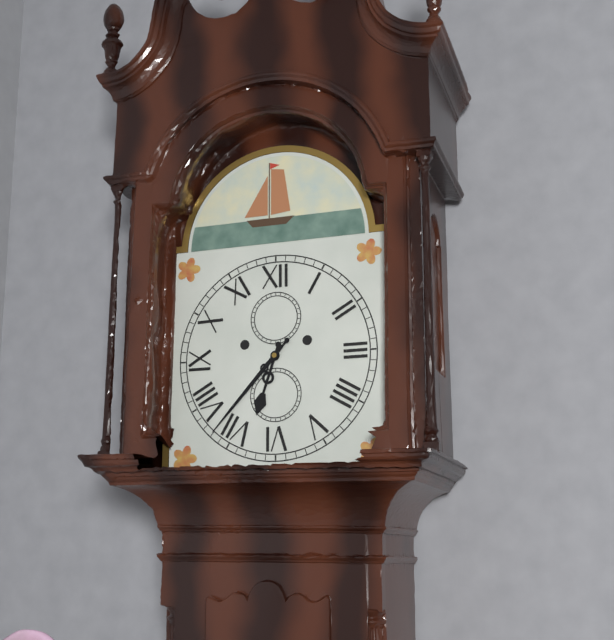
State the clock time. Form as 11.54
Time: 6.37
